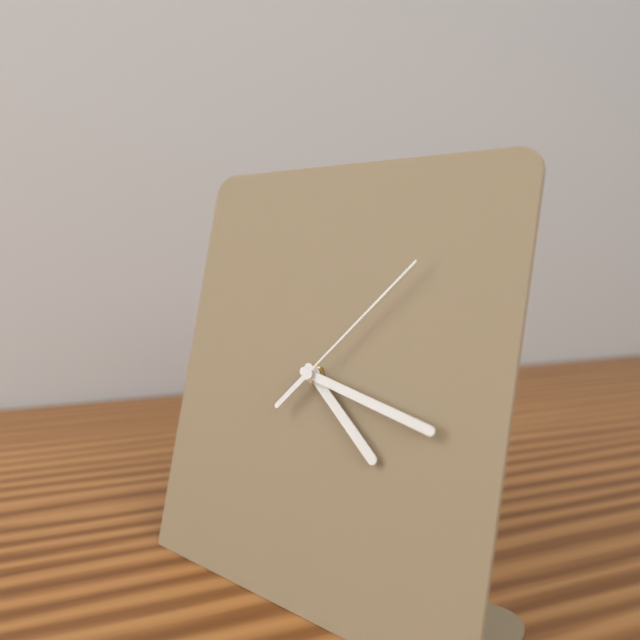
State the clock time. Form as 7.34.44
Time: 4.17.07
